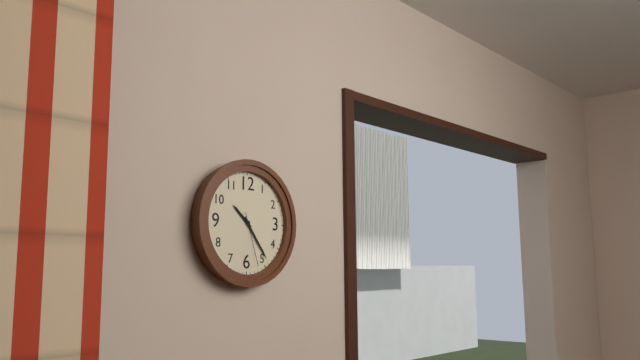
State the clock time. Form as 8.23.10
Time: 10.24.27
